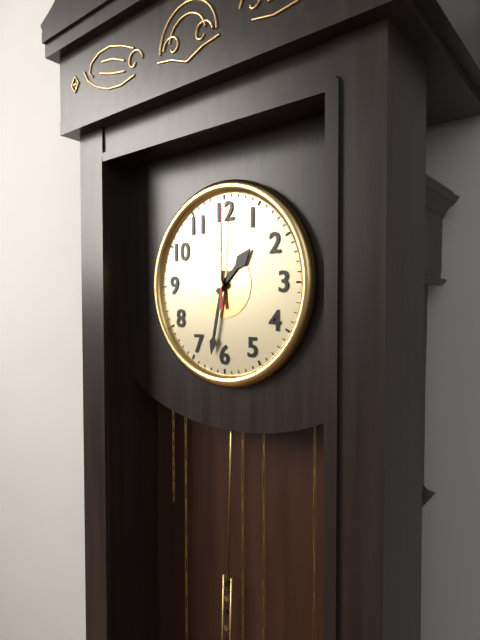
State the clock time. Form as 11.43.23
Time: 1.32.00
